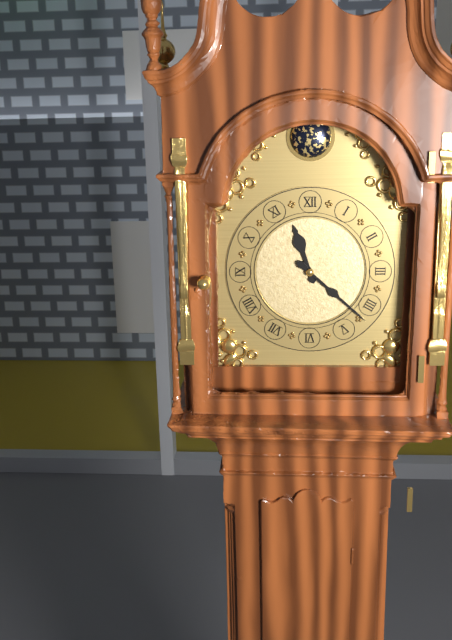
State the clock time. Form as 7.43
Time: 11.22
